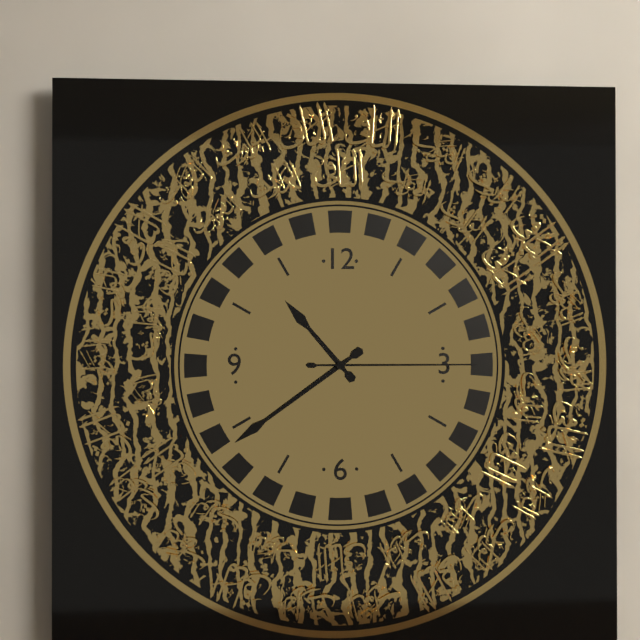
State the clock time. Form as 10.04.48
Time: 10.39.15
